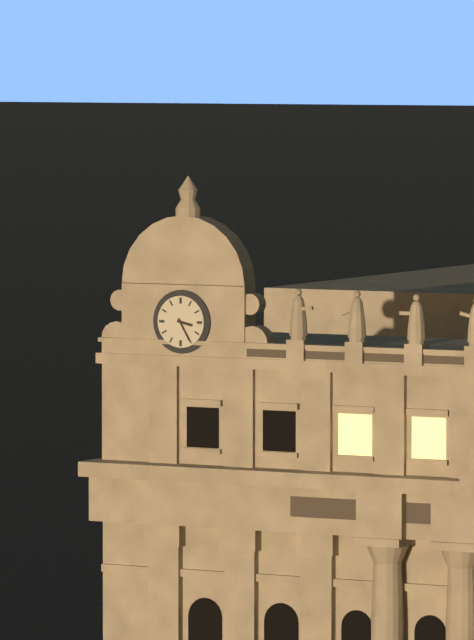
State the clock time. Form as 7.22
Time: 3.25
